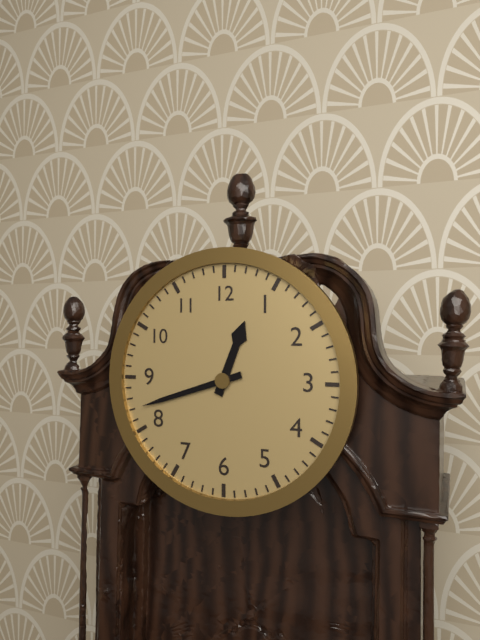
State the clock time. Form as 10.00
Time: 12.42
